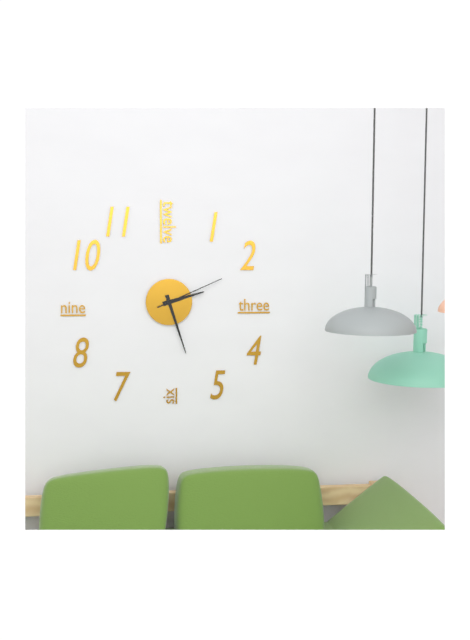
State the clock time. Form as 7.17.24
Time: 2.27.11
